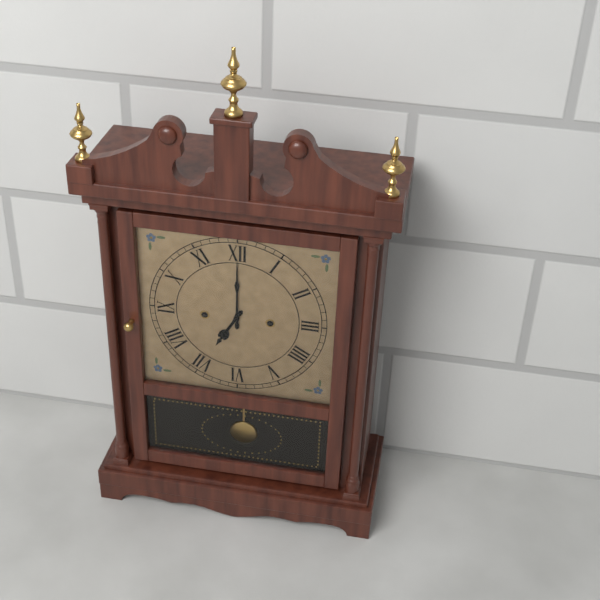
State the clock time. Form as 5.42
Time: 7.00
